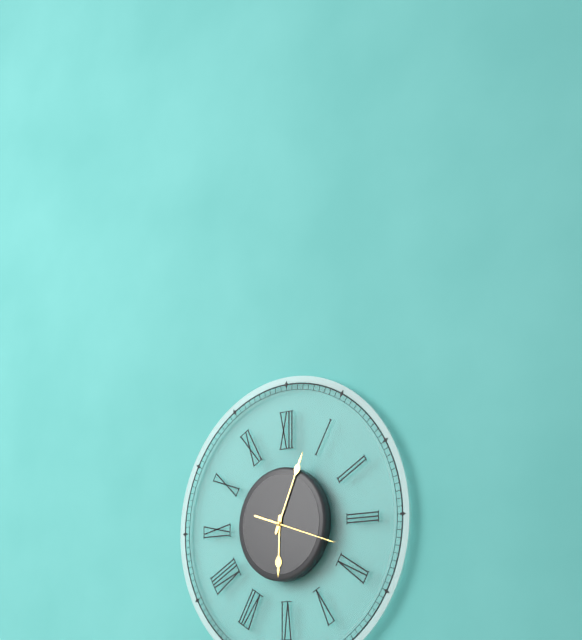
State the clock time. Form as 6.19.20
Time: 6.04.18
